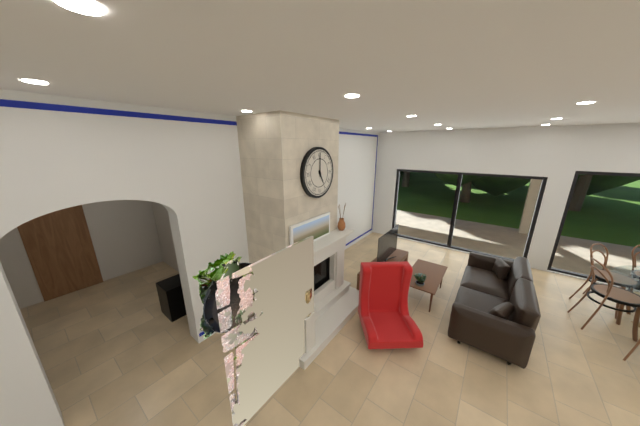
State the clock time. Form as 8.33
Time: 5.00
